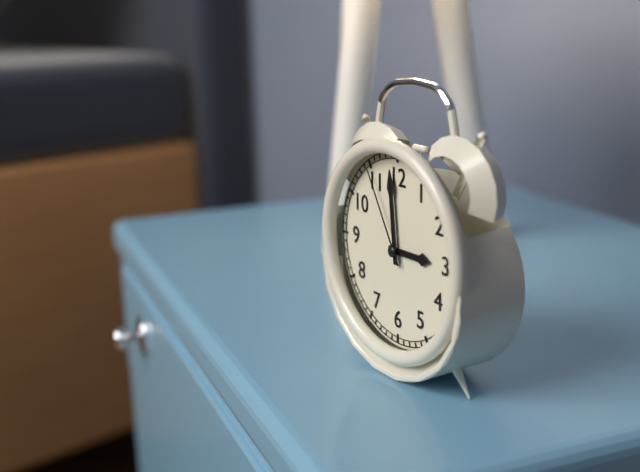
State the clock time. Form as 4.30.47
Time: 2.59.55
